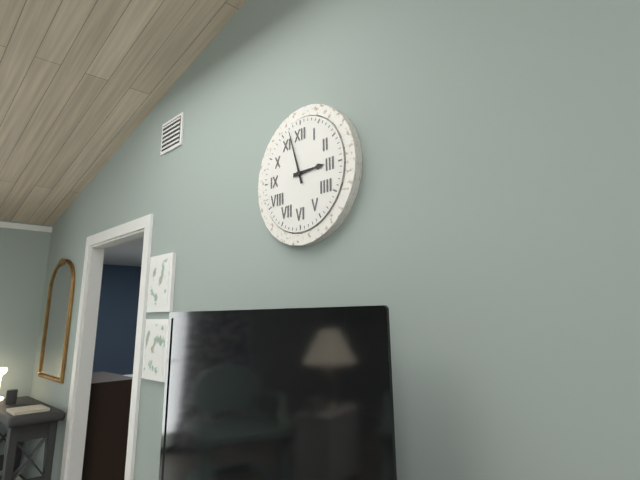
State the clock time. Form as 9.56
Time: 2.57
